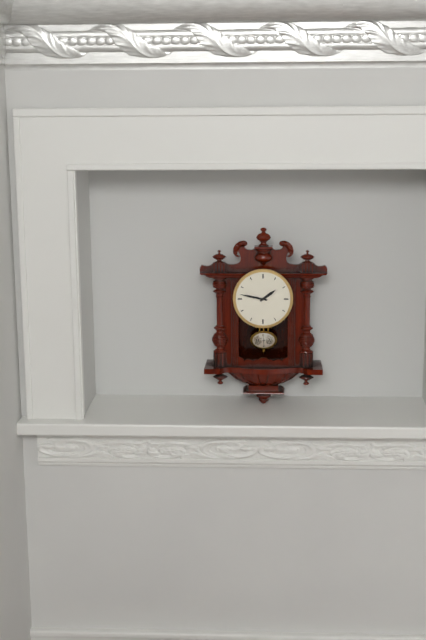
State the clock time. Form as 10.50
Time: 1.47
